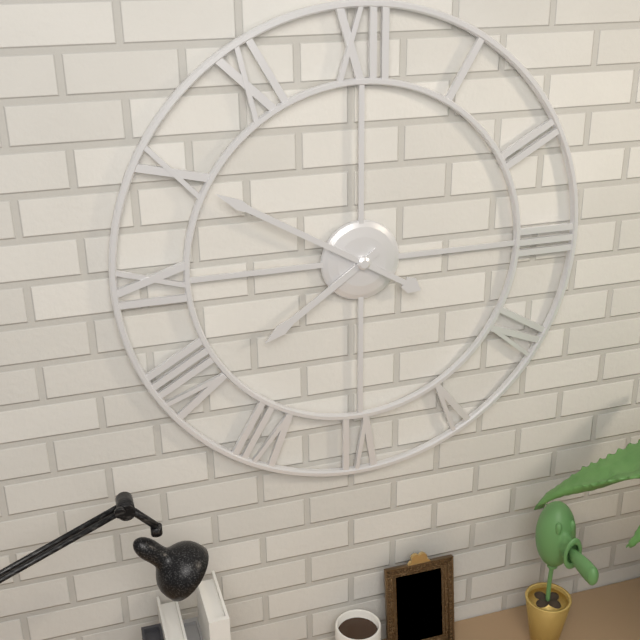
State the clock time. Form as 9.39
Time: 7.50
